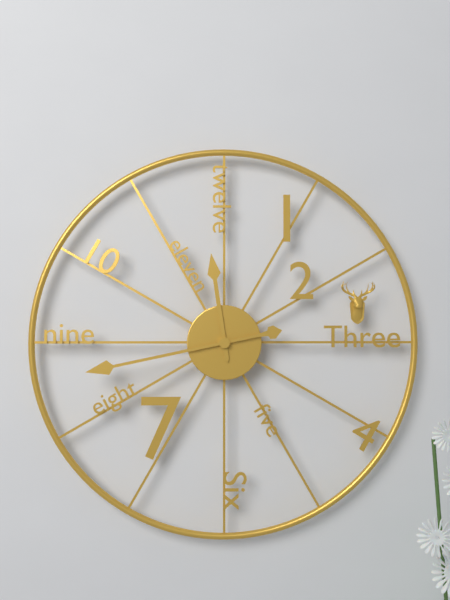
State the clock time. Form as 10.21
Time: 11.43
